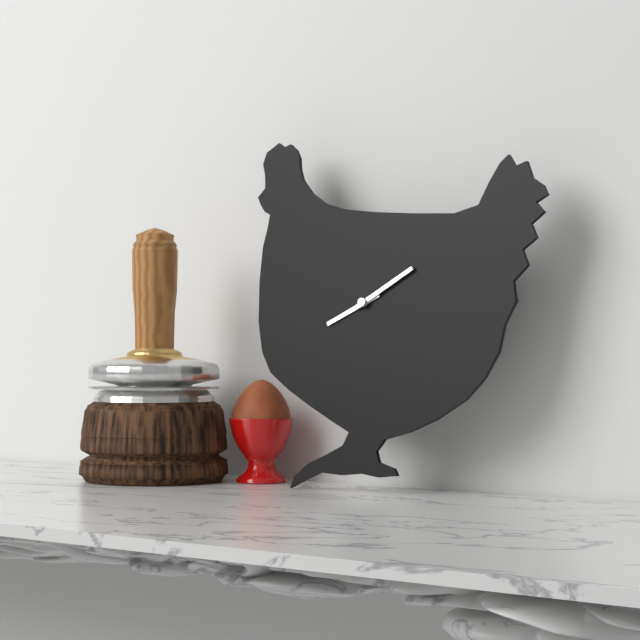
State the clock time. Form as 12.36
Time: 8.10
